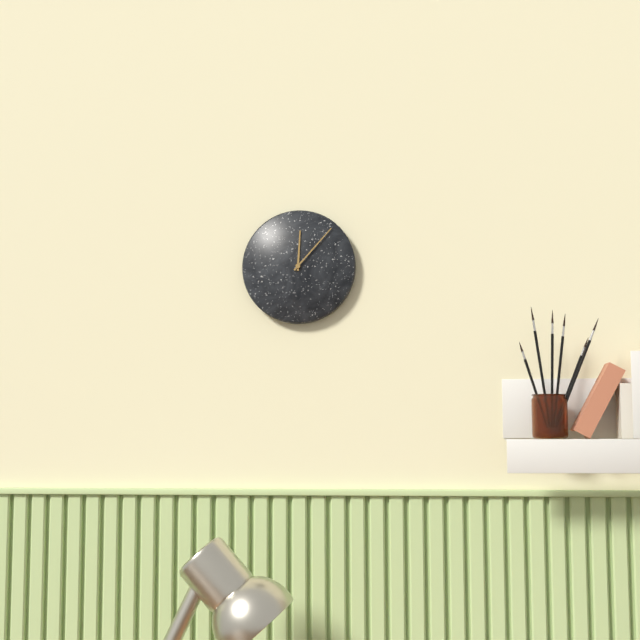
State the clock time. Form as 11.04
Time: 12.07
